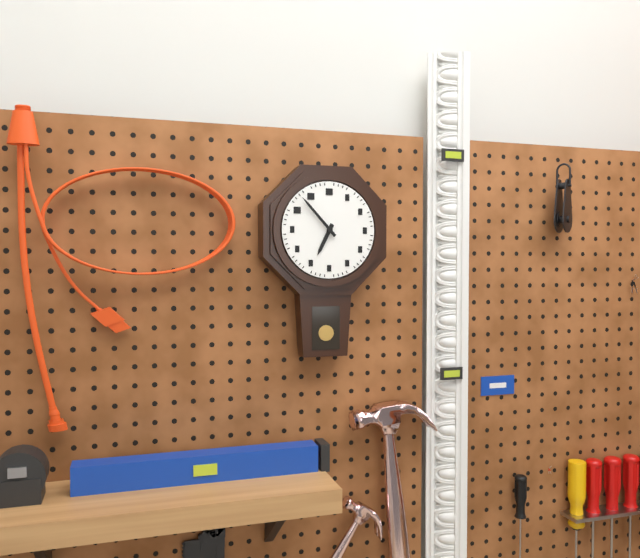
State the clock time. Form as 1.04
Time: 6.53
